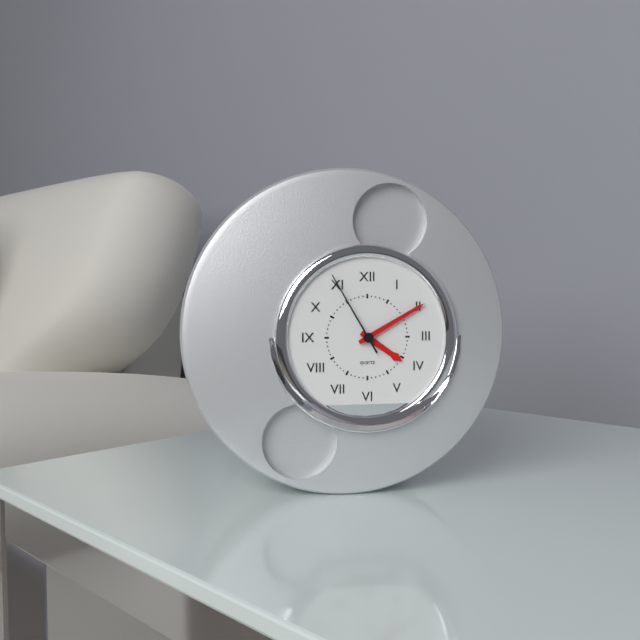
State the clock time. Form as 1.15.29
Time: 4.10.55
